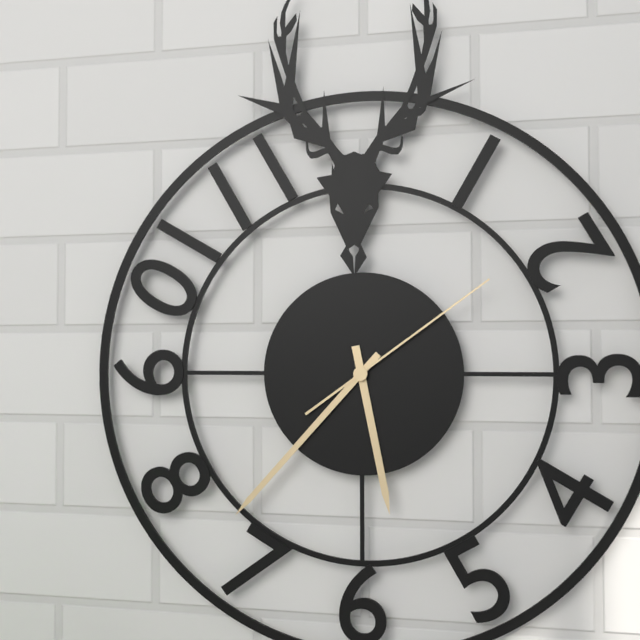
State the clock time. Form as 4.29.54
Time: 5.37.09
